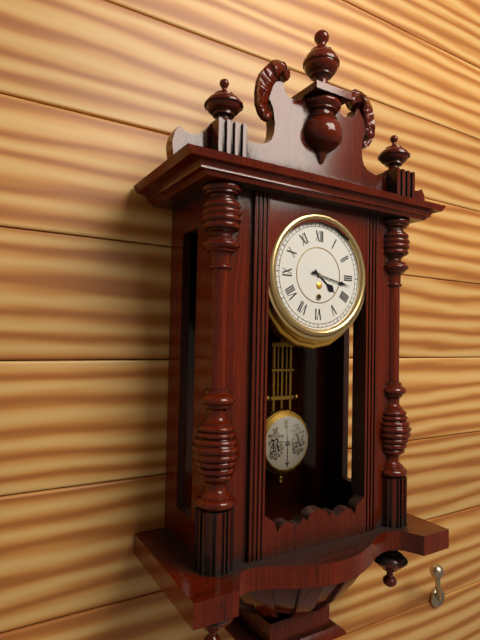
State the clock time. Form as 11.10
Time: 4.17
